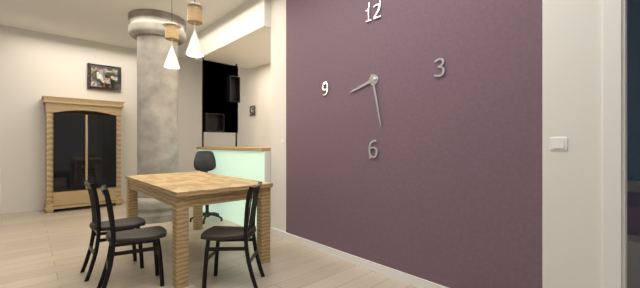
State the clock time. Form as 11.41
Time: 8.28
